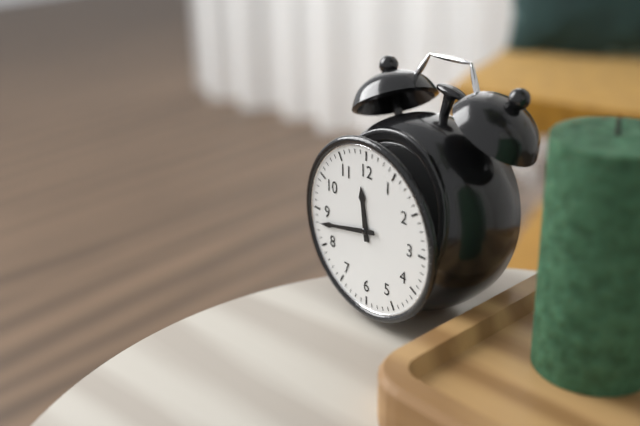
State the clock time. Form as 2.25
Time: 11.43
